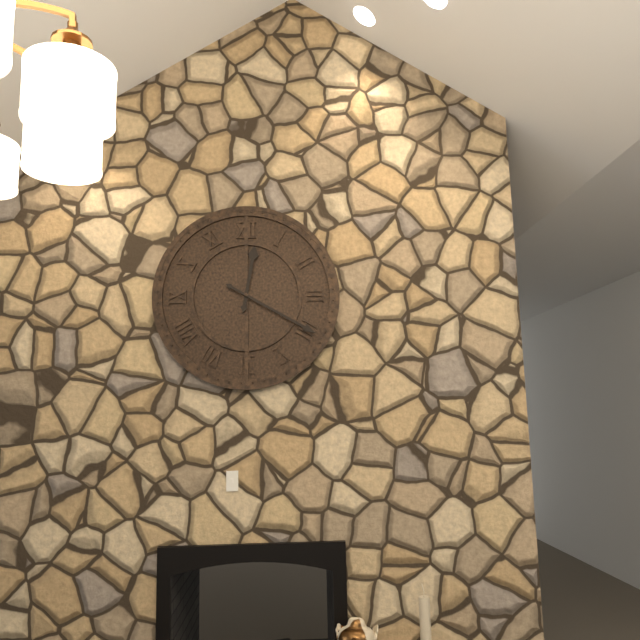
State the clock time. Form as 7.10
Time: 12.20
